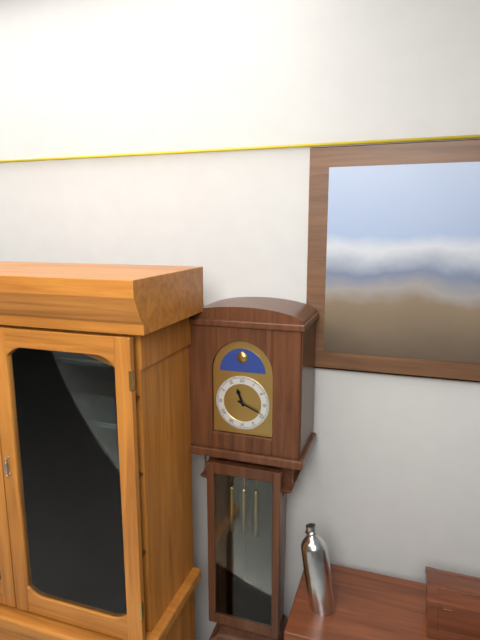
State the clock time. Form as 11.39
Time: 11.19
